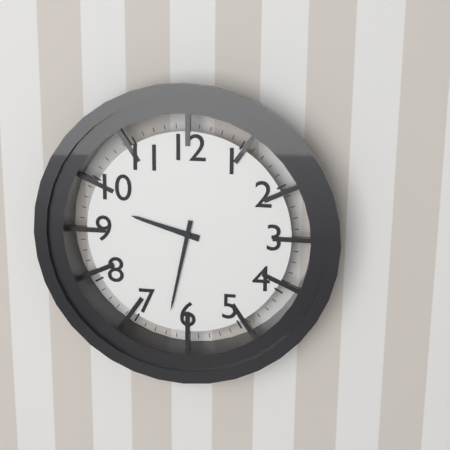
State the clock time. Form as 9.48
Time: 9.32
